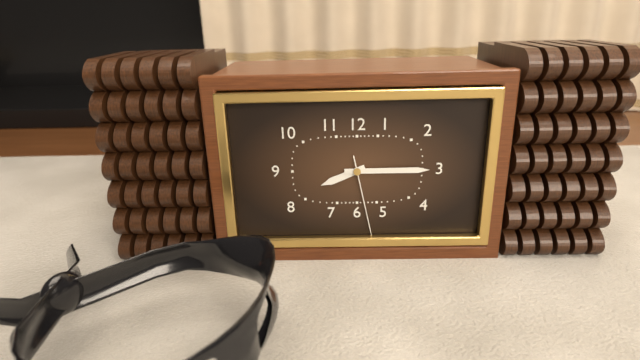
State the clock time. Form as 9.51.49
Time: 8.15.28
